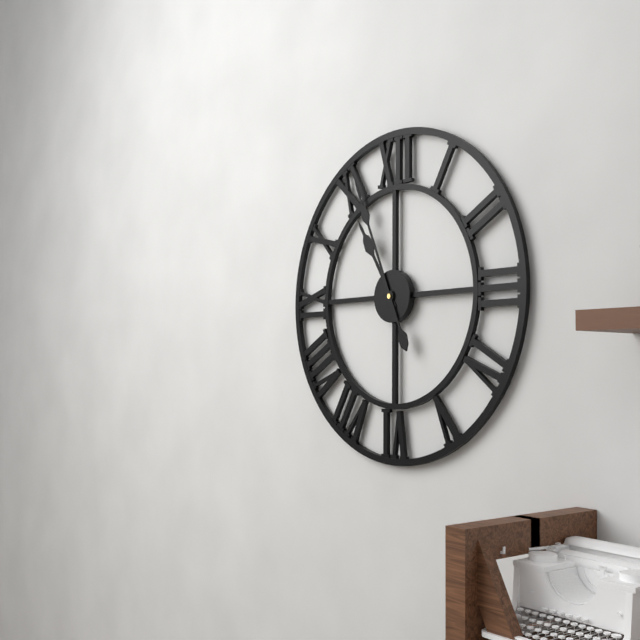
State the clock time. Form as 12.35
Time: 10.56
